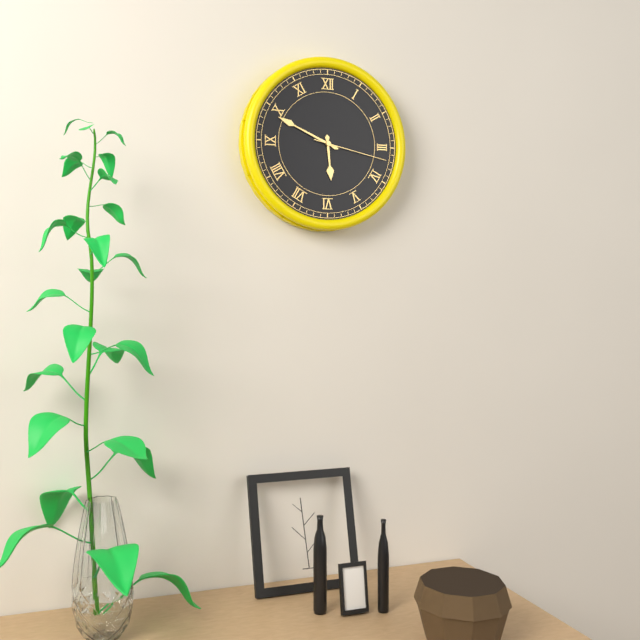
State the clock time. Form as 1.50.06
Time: 5.49.17
